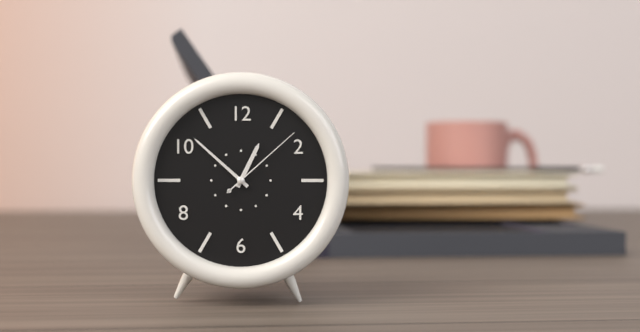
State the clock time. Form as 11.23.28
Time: 12.52.08
